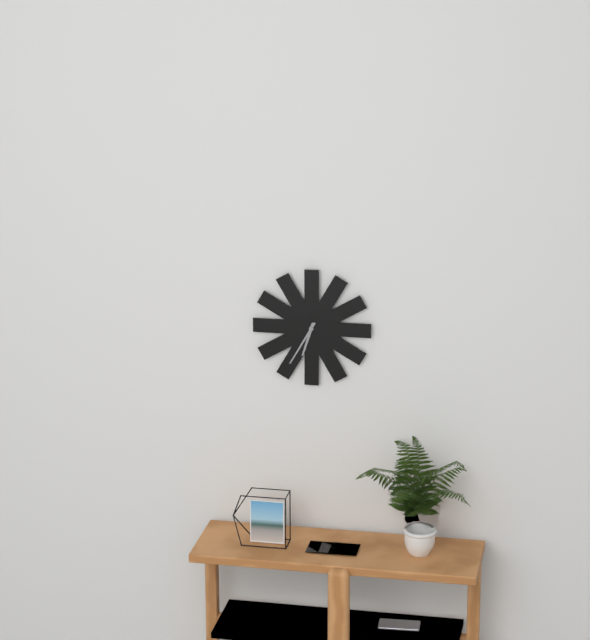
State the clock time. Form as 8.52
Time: 6.35
